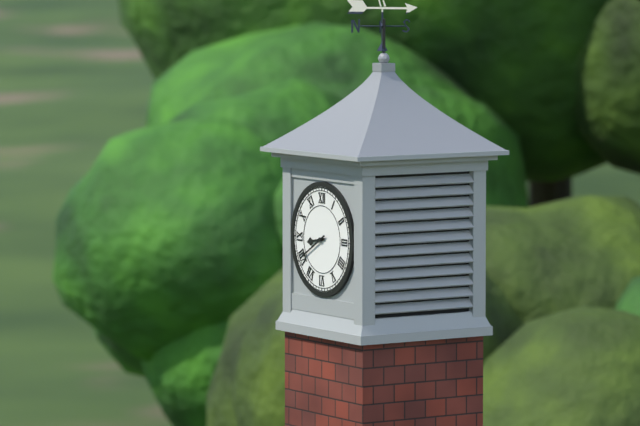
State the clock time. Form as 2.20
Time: 8.40
